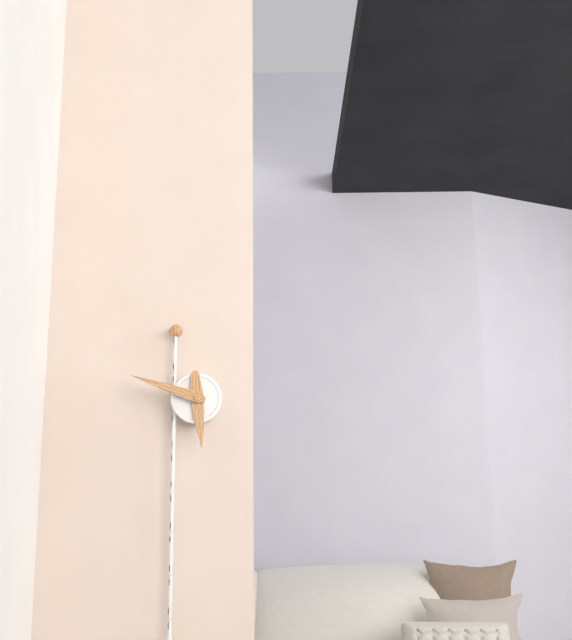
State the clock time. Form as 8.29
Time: 5.48
